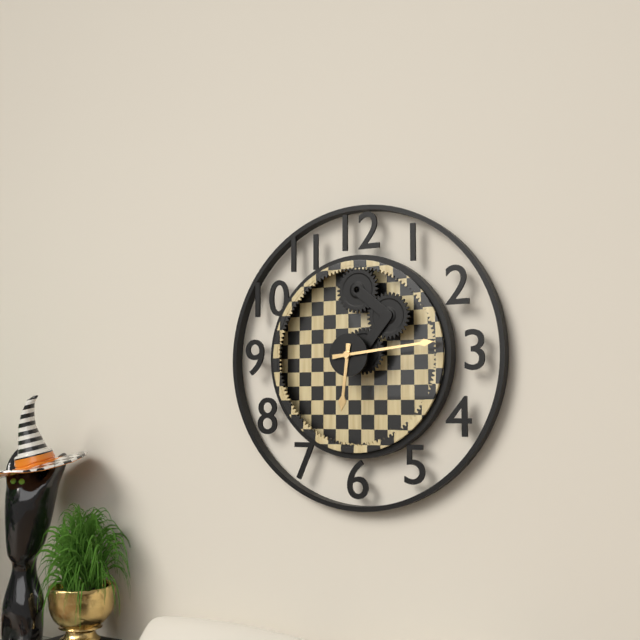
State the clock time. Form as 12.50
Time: 6.14
